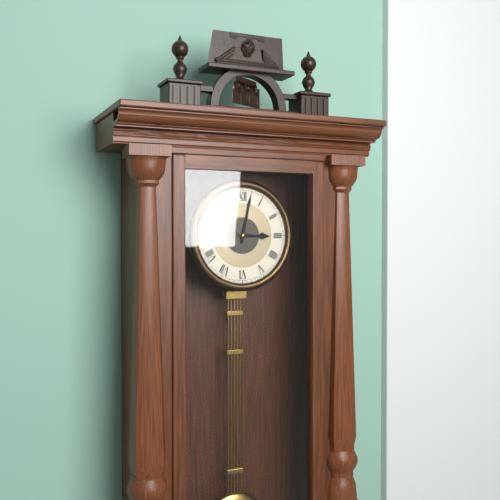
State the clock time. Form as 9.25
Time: 3.02
